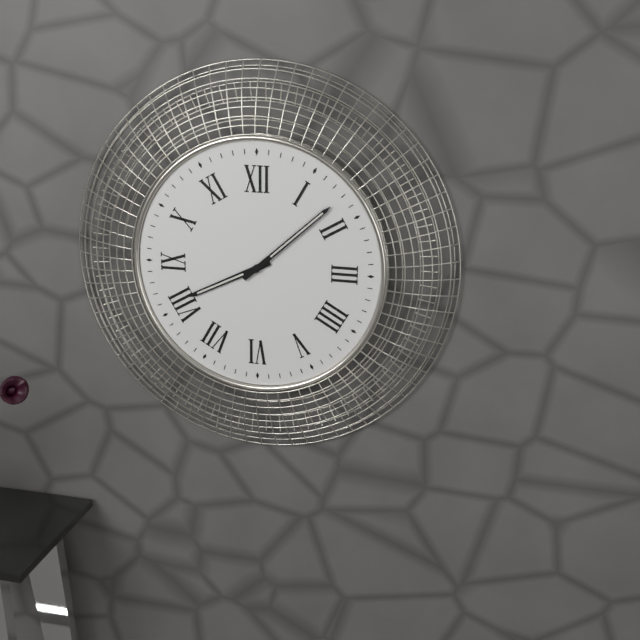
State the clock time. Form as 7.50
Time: 8.08
